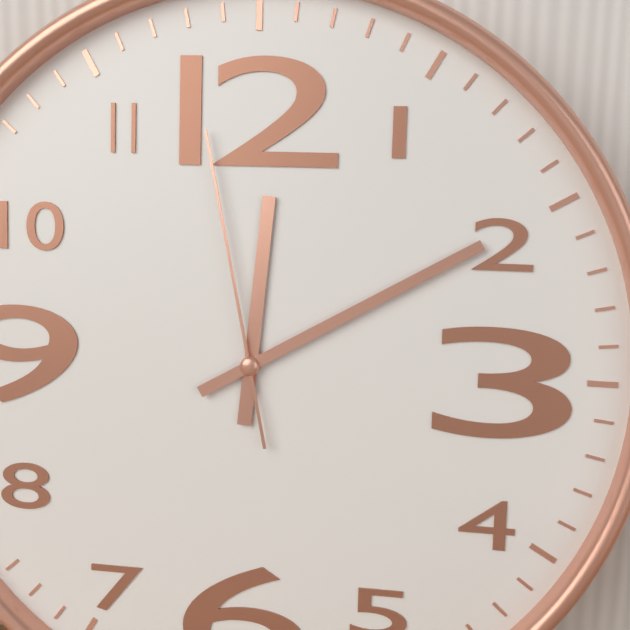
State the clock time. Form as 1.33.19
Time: 12.10.58
